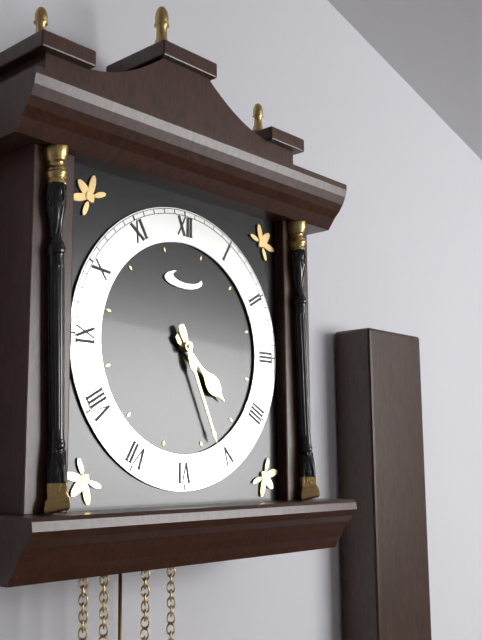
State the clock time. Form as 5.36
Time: 4.26
